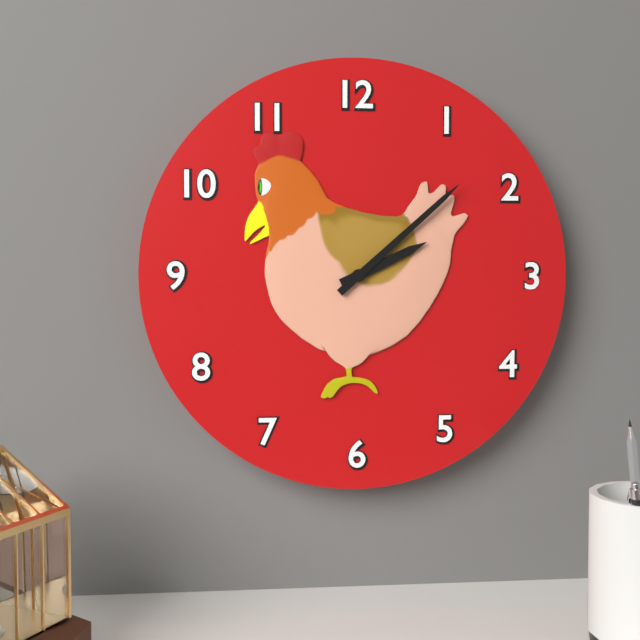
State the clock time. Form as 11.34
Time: 2.08
